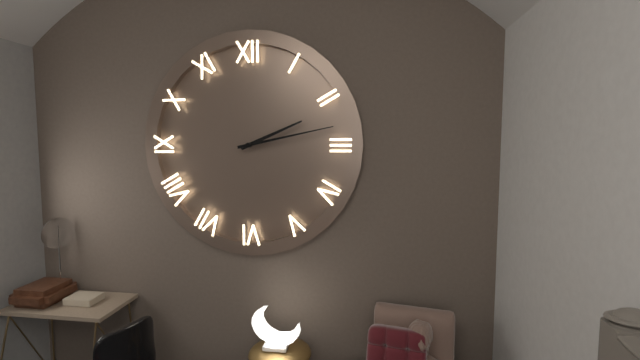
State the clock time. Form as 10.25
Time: 2.13
